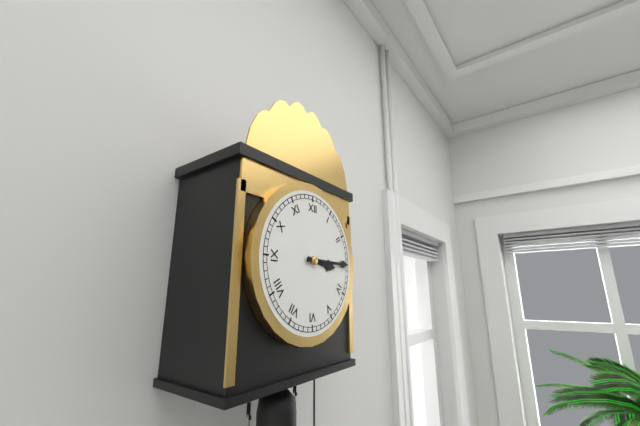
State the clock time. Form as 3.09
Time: 3.15
